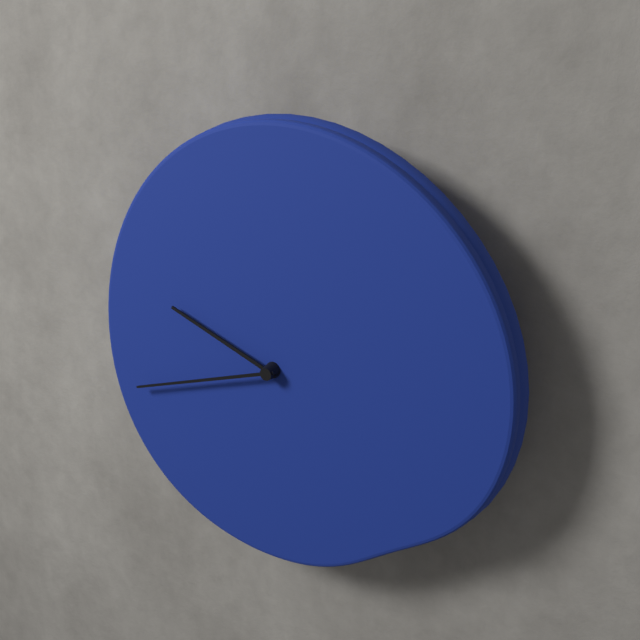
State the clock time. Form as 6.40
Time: 9.42
